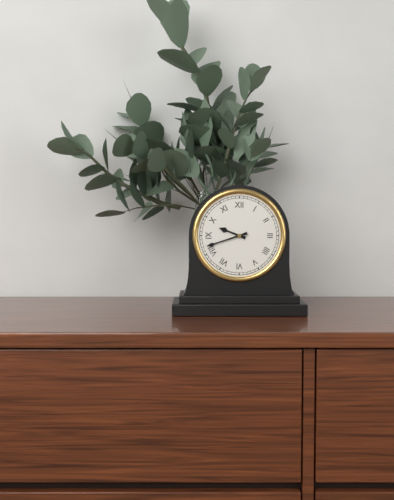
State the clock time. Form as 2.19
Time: 9.42
